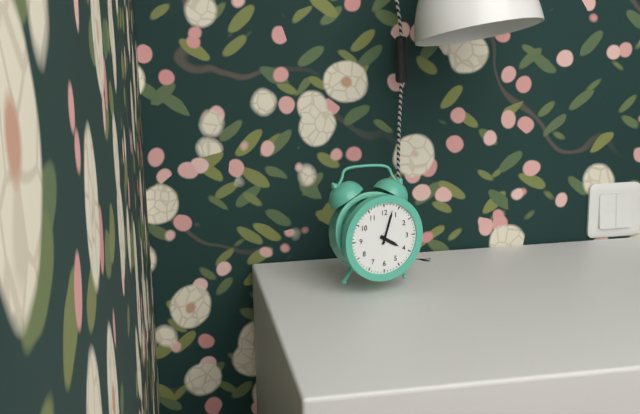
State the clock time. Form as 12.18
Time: 4.03
